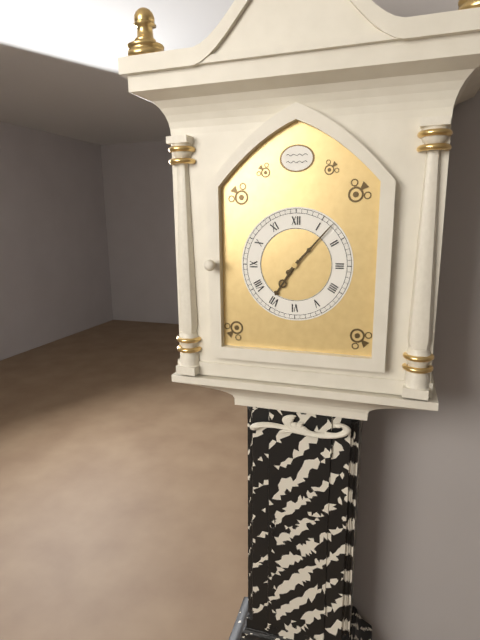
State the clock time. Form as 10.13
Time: 7.07
